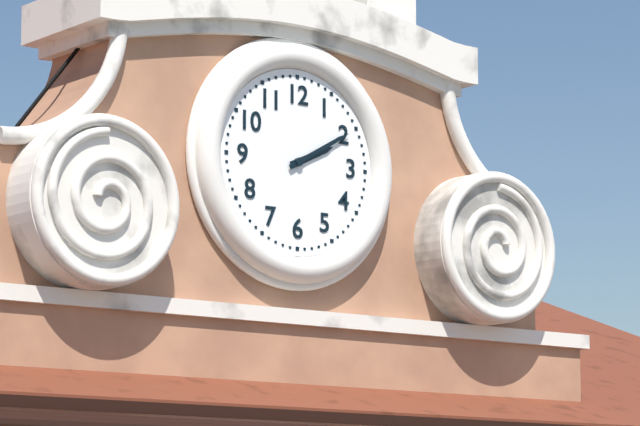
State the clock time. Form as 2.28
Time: 2.10
